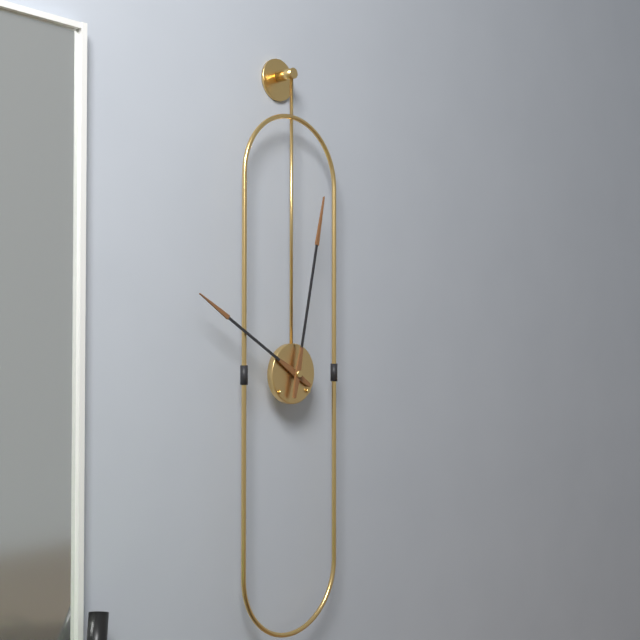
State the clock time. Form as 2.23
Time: 10.02
